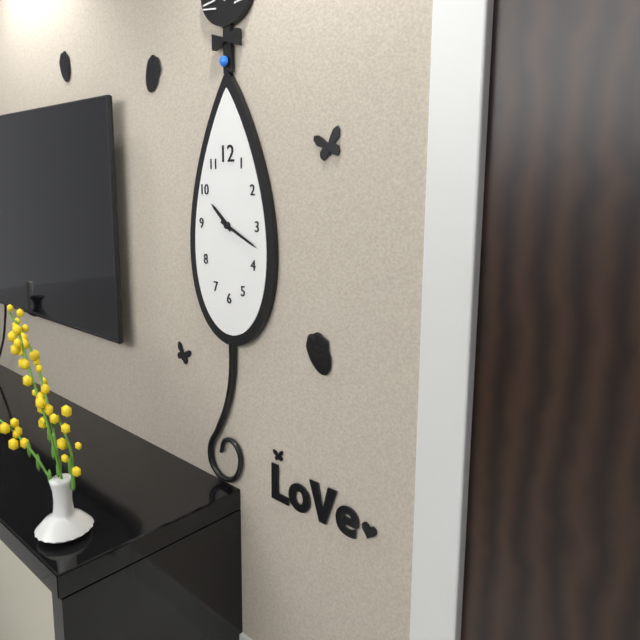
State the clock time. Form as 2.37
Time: 10.19
